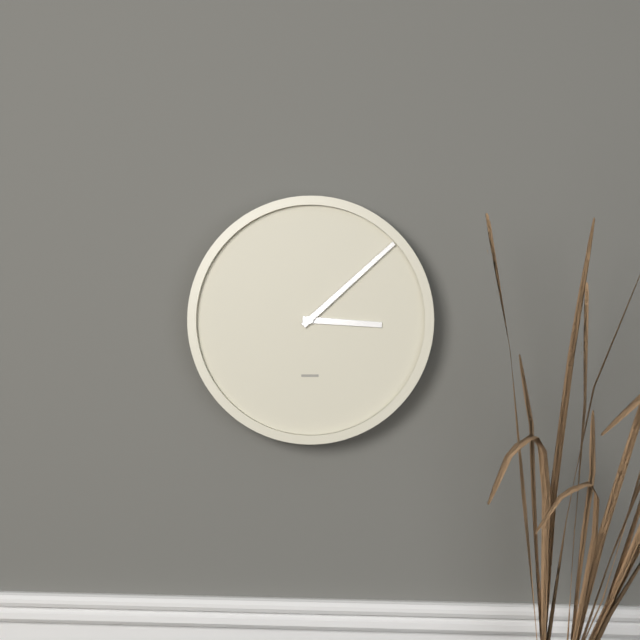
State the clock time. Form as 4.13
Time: 3.08
